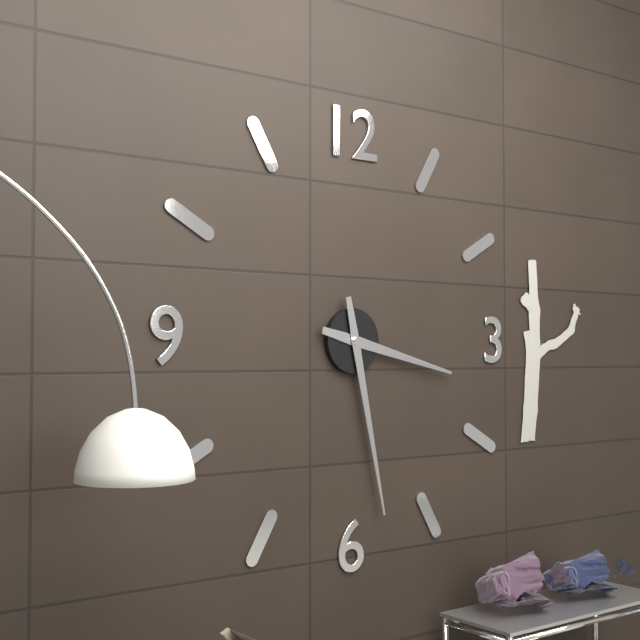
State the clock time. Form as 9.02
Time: 3.28
